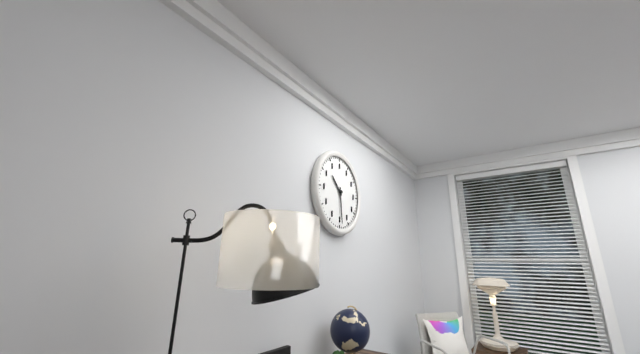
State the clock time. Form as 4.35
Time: 10.29
